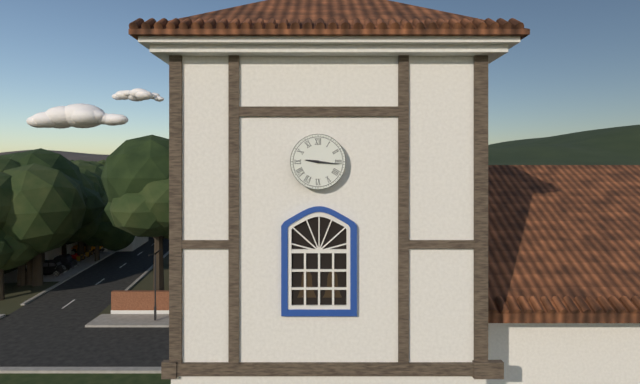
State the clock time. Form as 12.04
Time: 9.16
